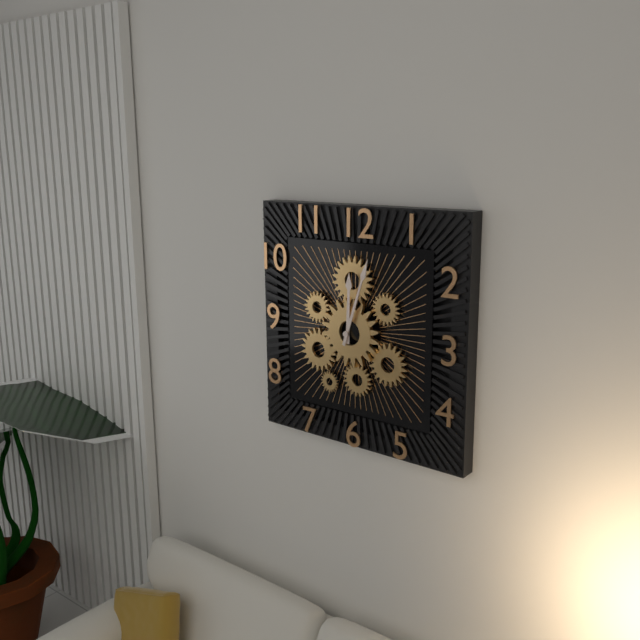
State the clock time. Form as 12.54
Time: 12.03
